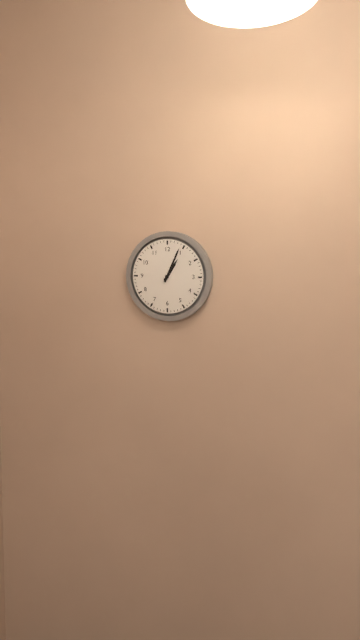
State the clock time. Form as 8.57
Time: 1.04
